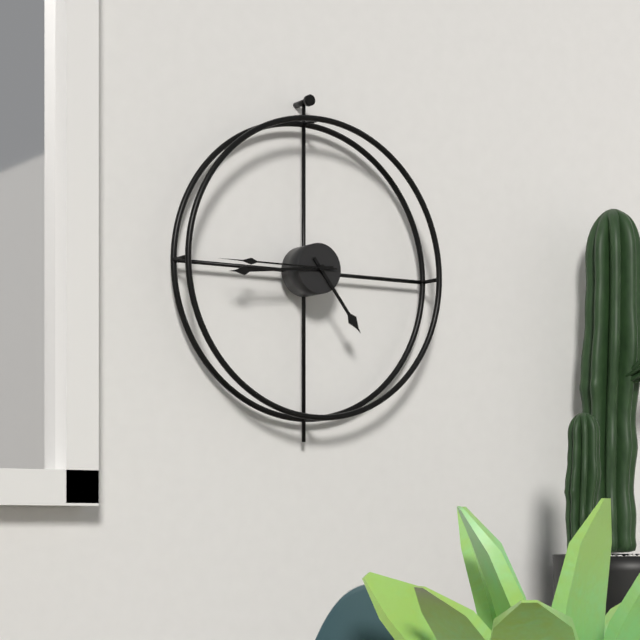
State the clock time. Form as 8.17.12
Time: 4.44.45
